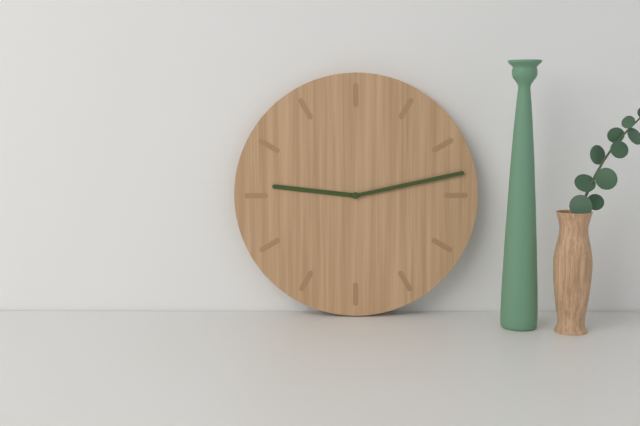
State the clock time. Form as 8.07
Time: 9.13
